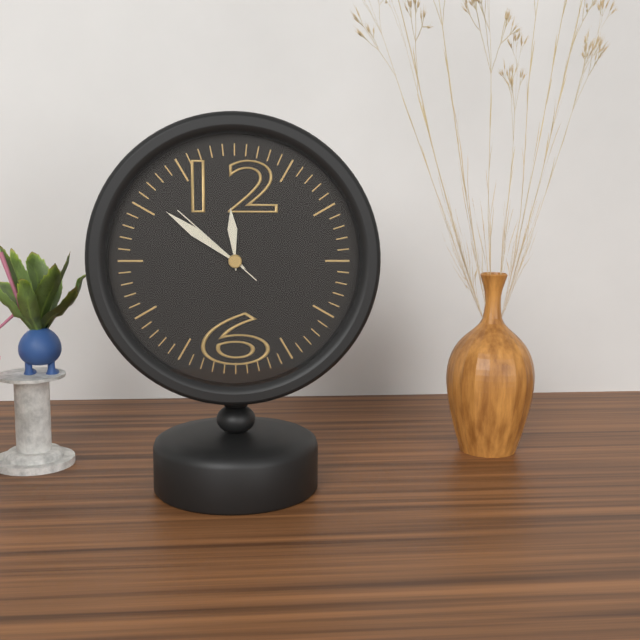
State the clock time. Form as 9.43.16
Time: 11.51.52
